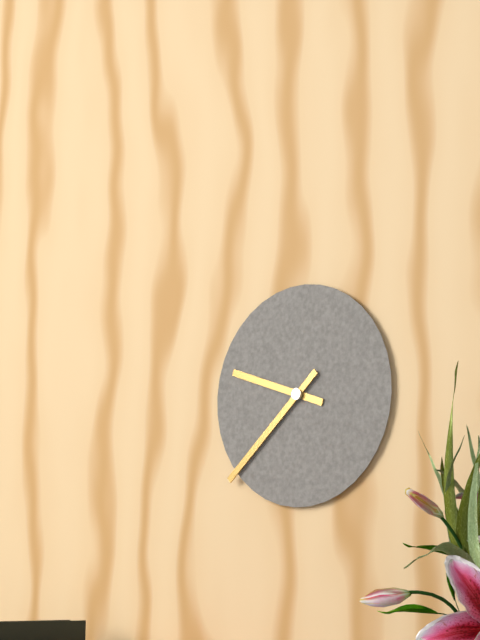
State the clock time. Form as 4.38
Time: 9.38
